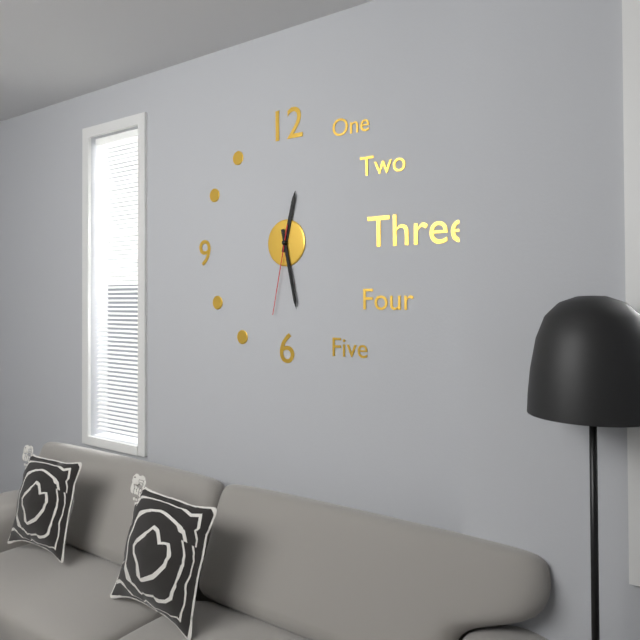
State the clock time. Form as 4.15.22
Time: 12.28.32
